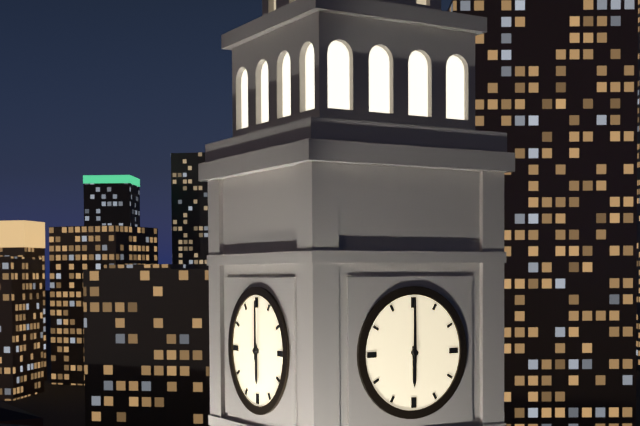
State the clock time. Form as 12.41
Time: 6.00
